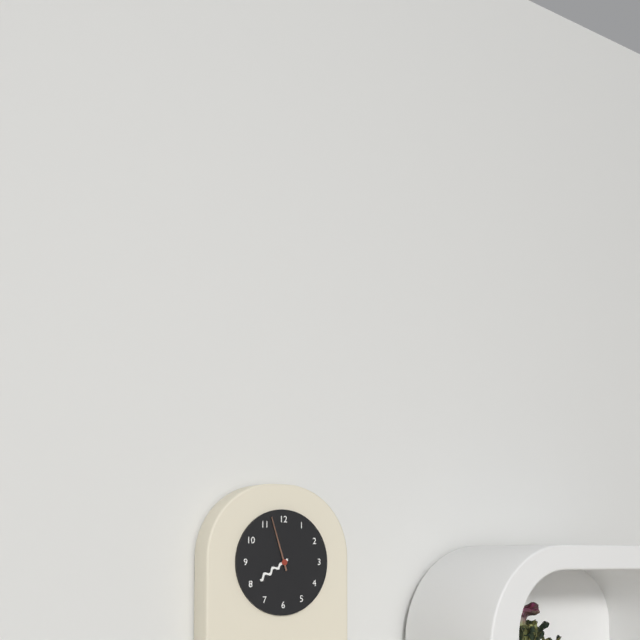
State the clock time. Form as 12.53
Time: 7.57
